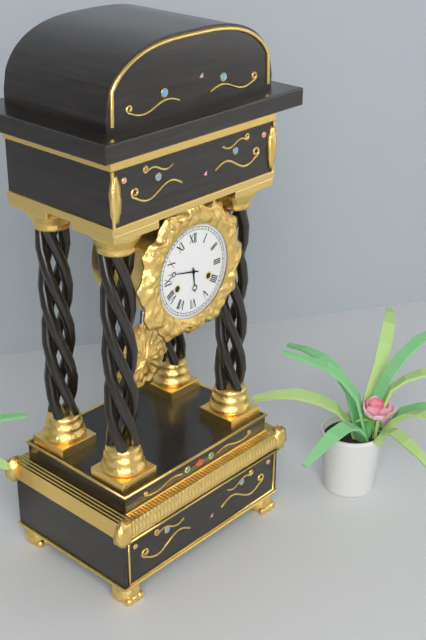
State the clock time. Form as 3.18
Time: 5.47
